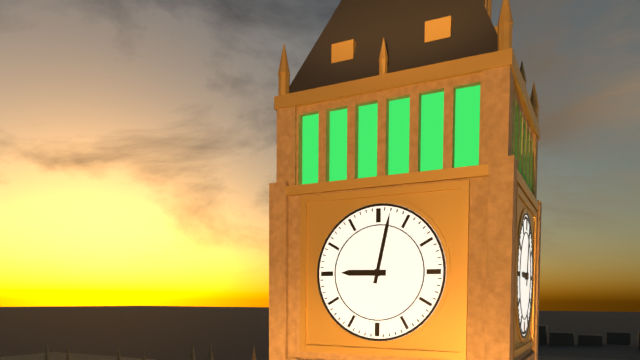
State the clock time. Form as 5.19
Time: 9.02
